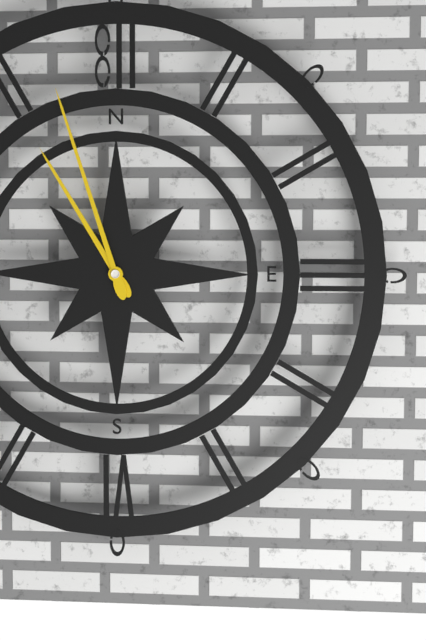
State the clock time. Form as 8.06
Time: 10.57
